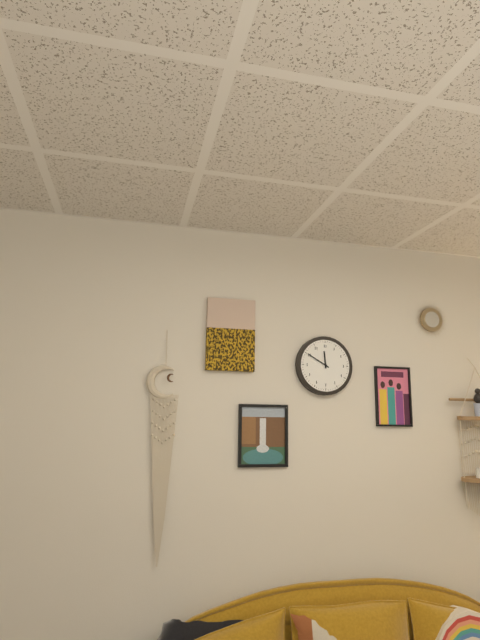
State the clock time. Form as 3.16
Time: 11.50
